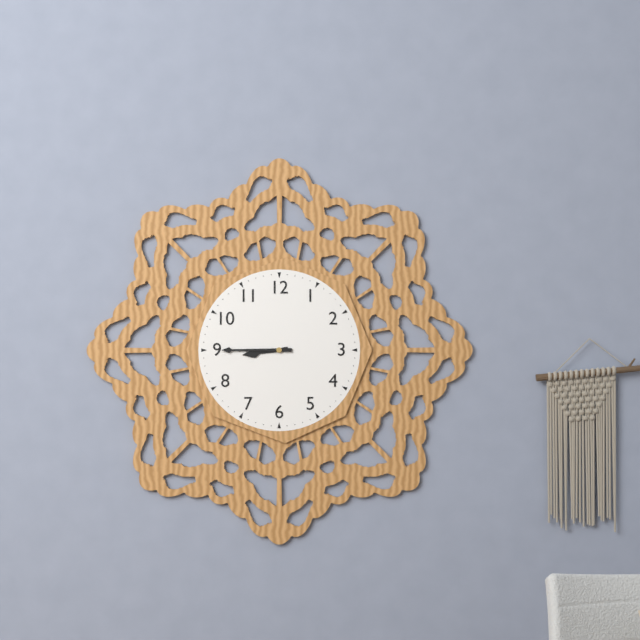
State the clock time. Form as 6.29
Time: 8.45
